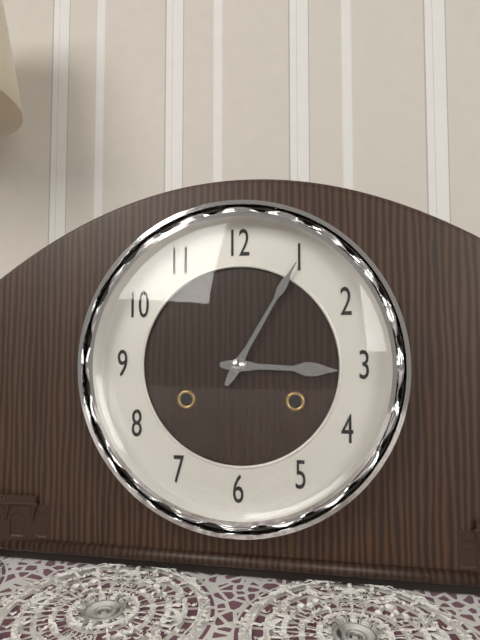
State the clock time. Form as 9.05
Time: 3.05
